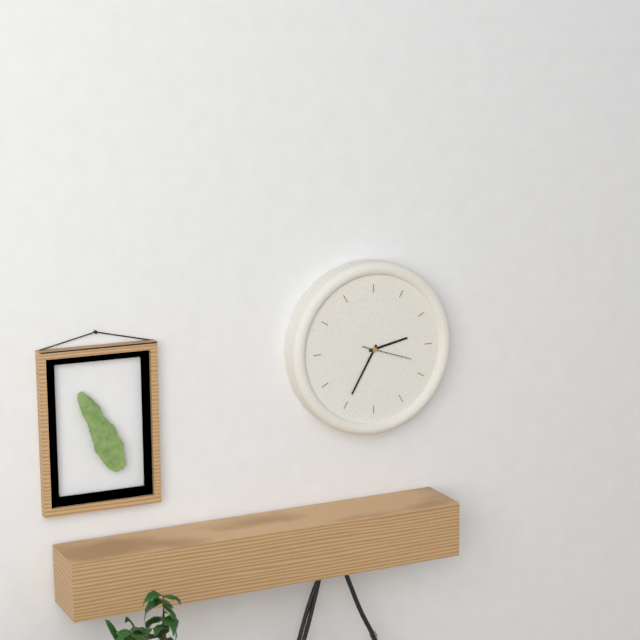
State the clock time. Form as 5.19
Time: 2.35
